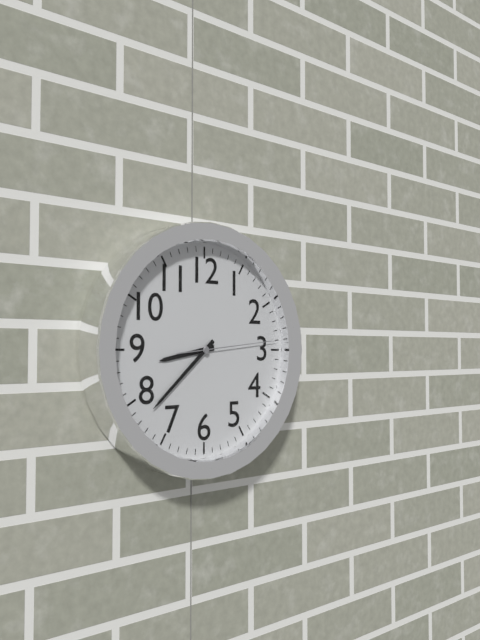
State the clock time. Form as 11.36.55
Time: 8.38.14
